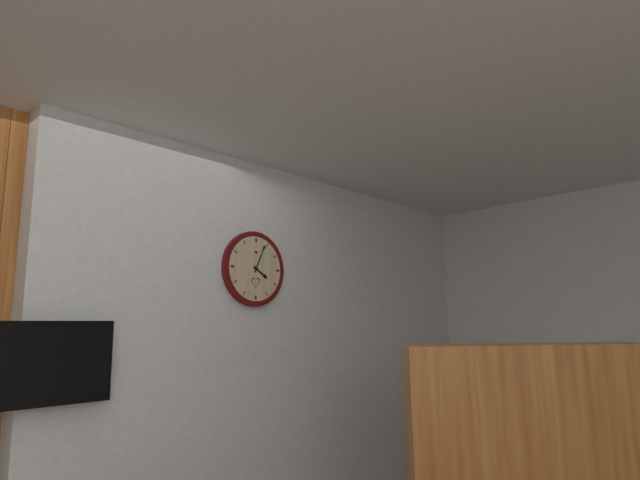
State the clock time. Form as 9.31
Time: 4.04
